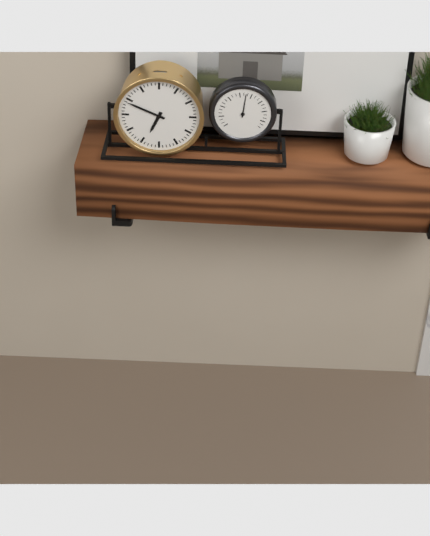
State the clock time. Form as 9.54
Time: 6.49
